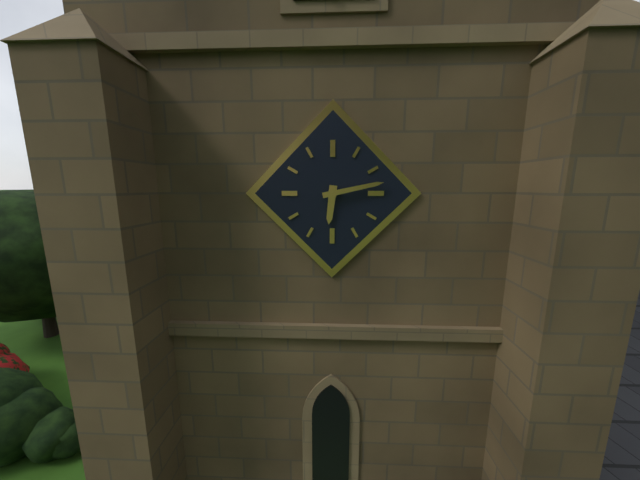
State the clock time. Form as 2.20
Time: 6.13
